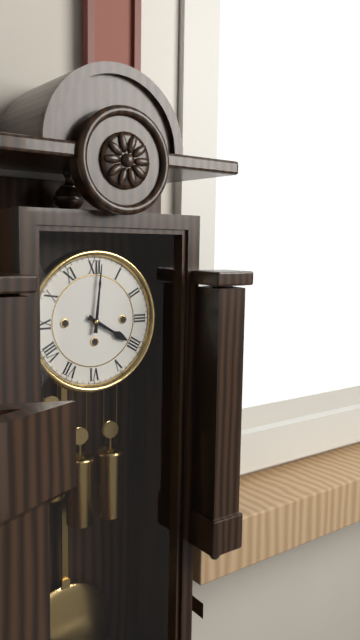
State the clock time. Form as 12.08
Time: 4.01
